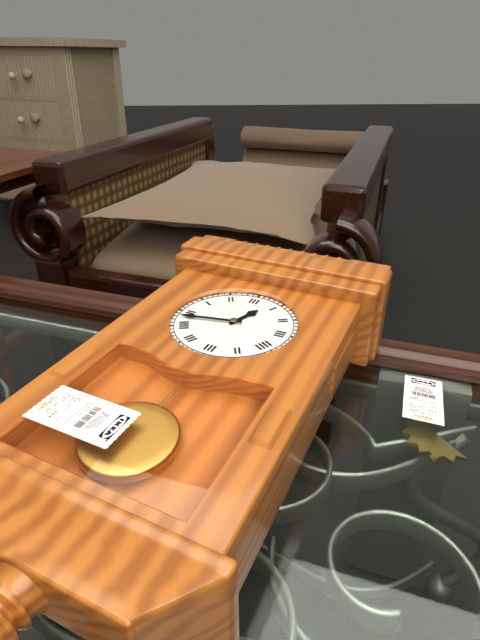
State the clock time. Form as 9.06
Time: 12.43
